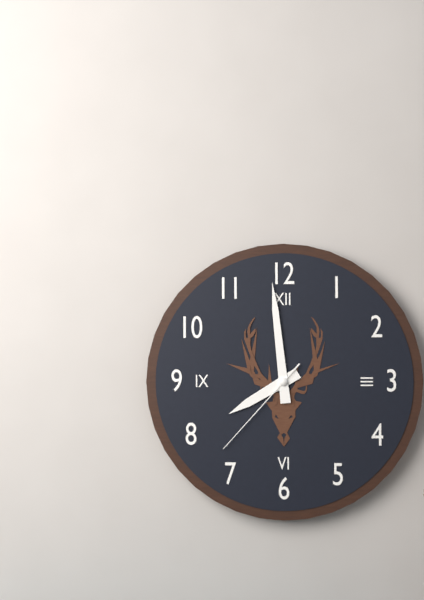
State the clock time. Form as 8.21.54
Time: 7.59.37
